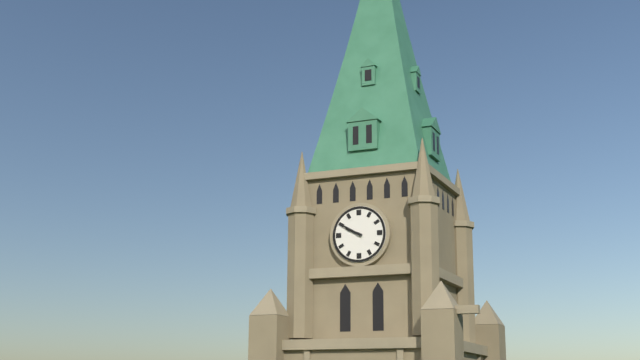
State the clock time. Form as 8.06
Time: 9.50
